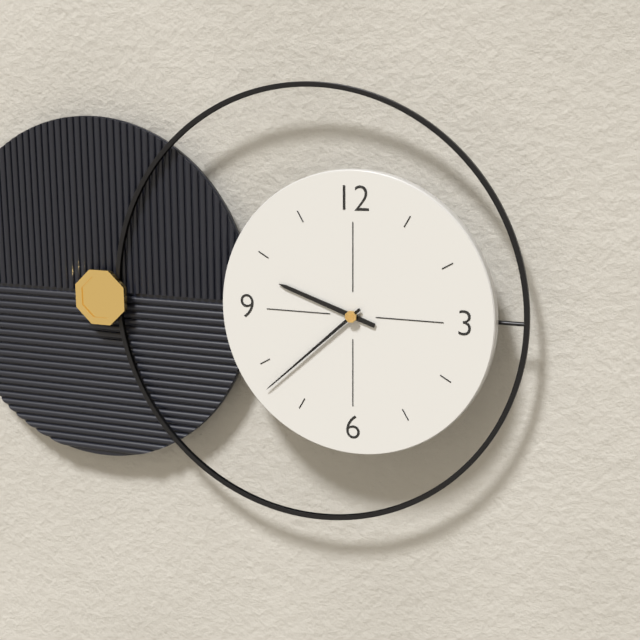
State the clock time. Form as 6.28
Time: 9.38
